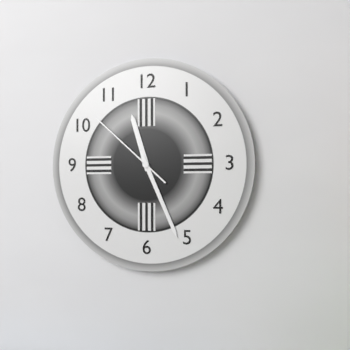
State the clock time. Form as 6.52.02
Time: 11.26.52
